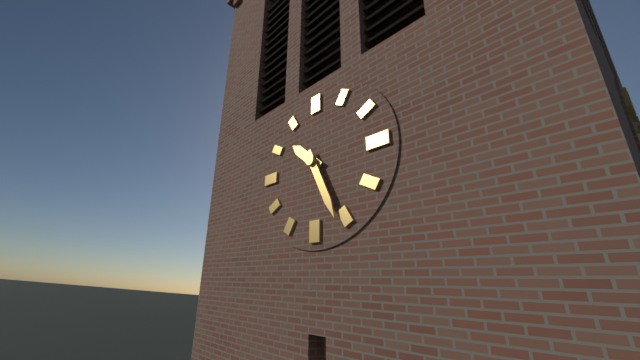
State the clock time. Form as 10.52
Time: 10.26
